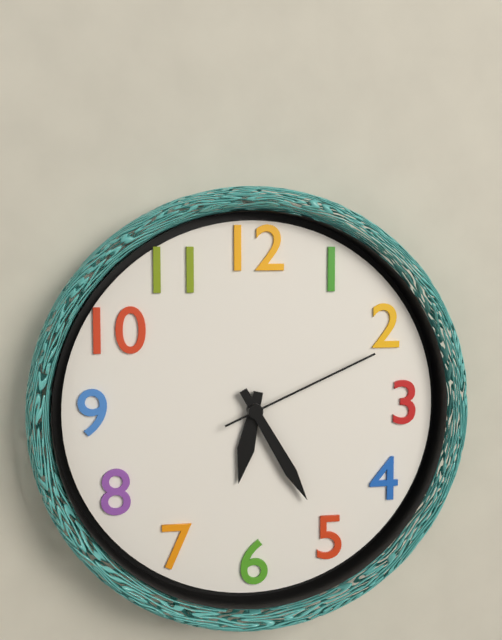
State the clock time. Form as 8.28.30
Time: 6.25.11
